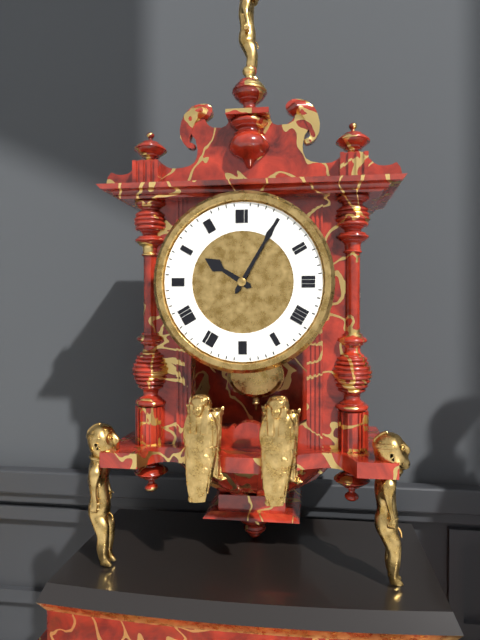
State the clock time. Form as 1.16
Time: 10.05
